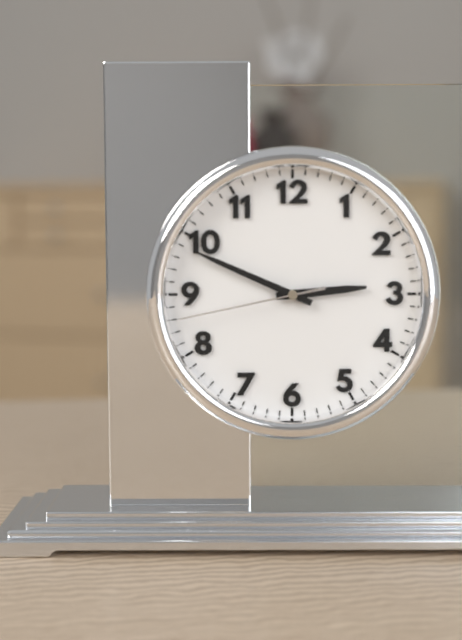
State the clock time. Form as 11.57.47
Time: 2.49.43
